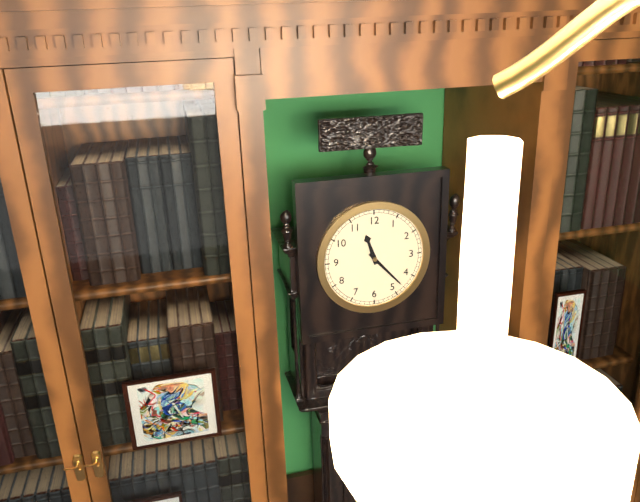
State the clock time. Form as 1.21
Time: 11.23
